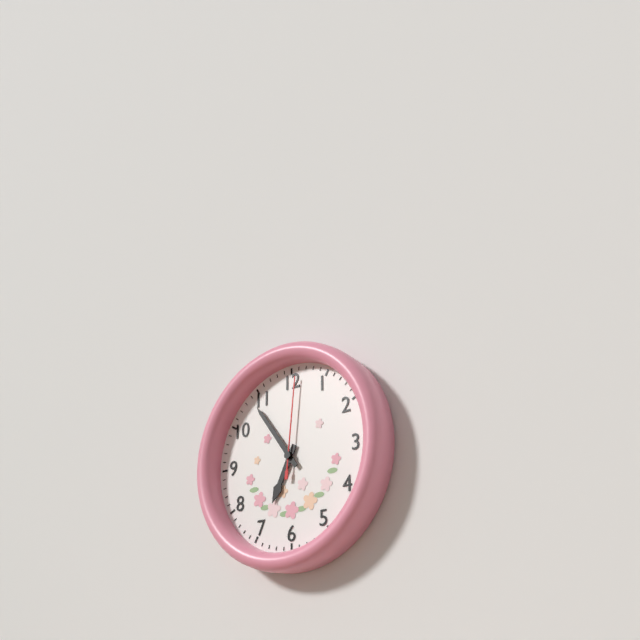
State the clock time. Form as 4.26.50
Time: 6.54.01
